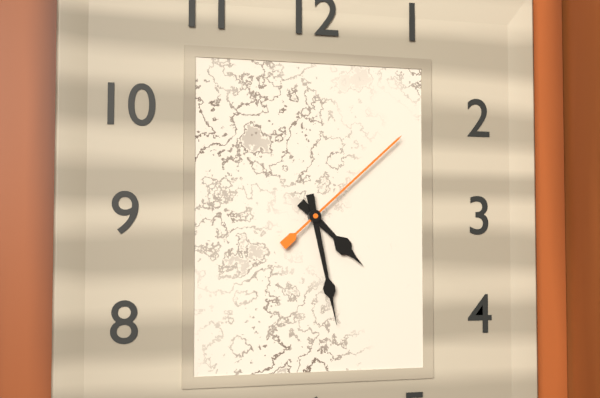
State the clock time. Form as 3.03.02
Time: 4.28.08
